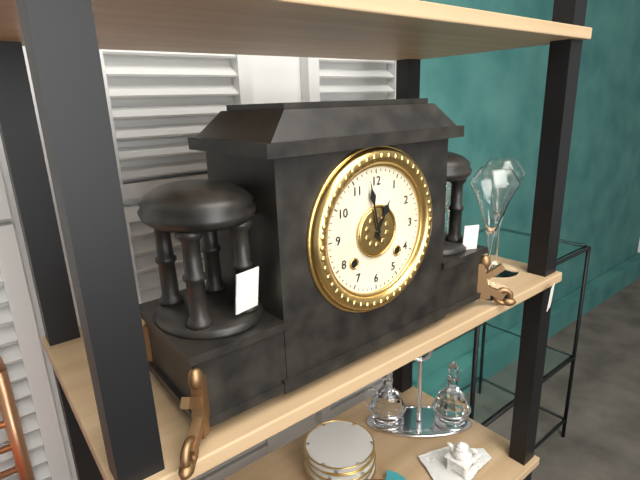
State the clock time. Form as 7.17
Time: 12.58
